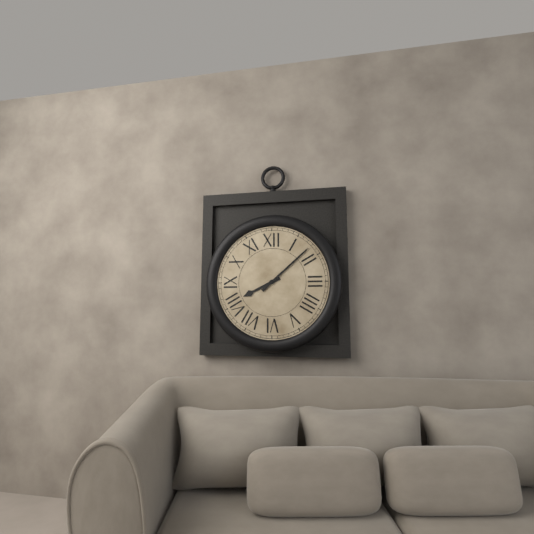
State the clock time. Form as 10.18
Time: 8.08
